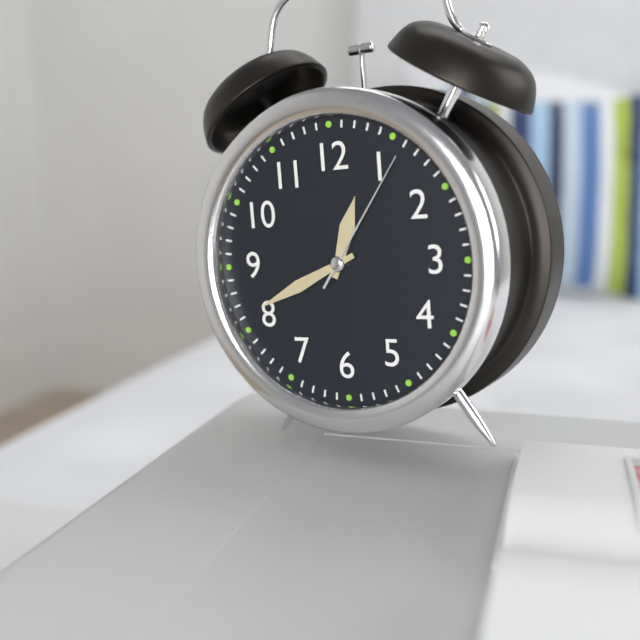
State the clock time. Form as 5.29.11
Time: 12.41.06
